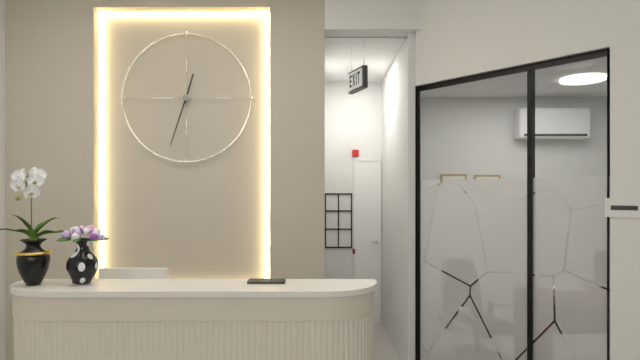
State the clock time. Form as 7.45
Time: 12.33
